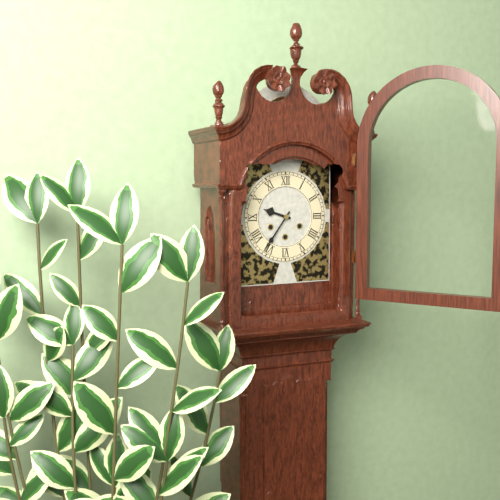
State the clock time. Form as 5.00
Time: 9.36
